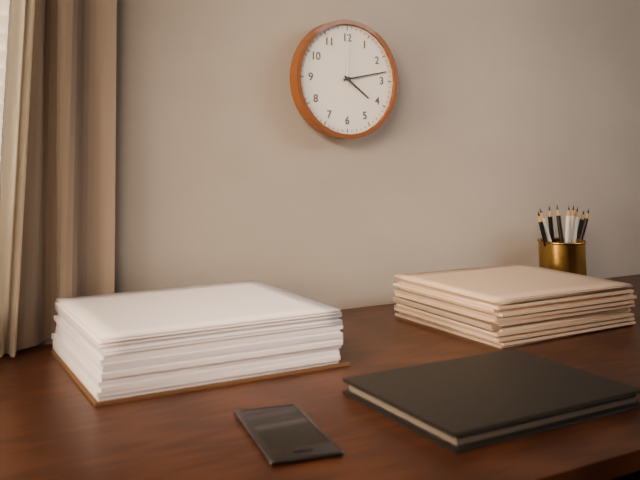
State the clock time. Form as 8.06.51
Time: 4.13.00
